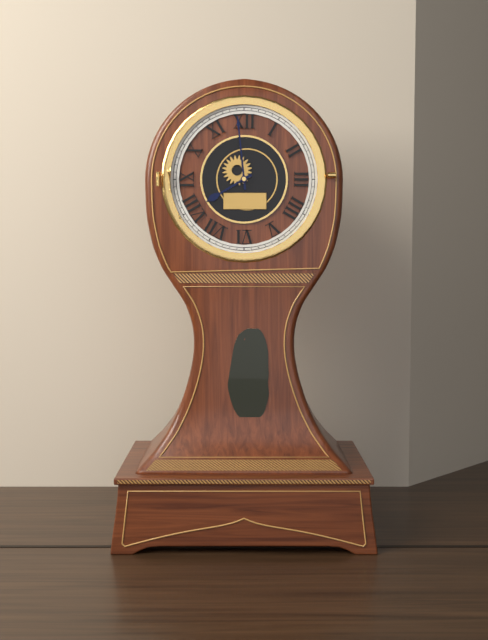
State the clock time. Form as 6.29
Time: 7.59
